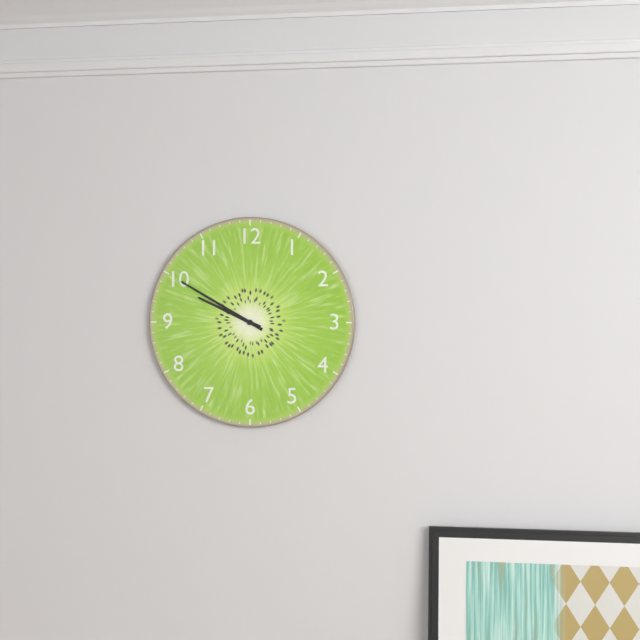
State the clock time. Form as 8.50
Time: 9.50
